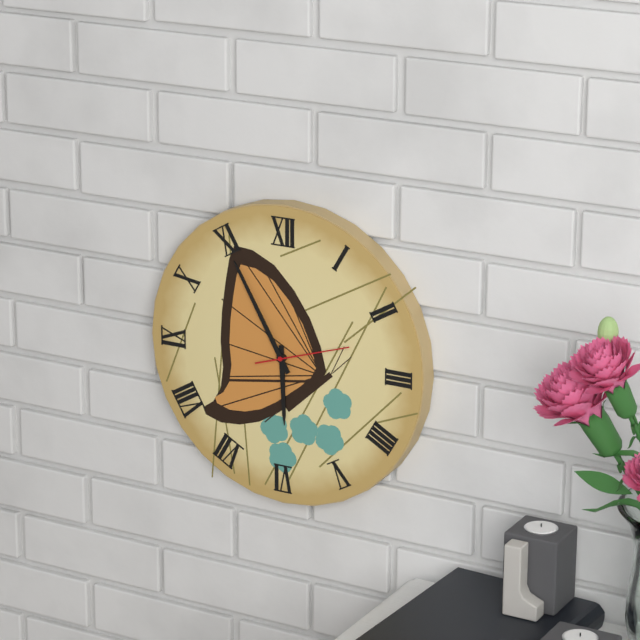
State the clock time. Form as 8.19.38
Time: 5.55.12
